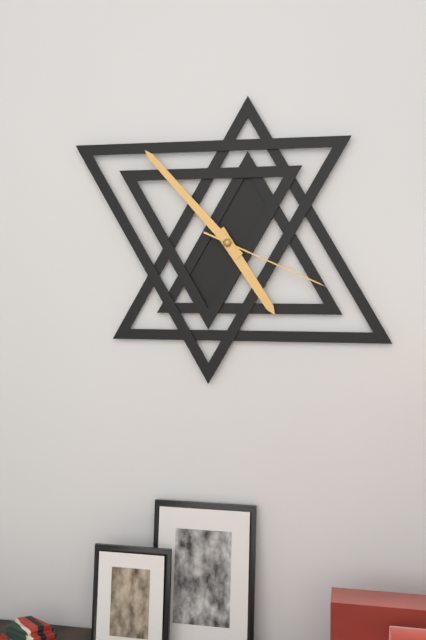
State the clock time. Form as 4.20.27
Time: 4.53.19
